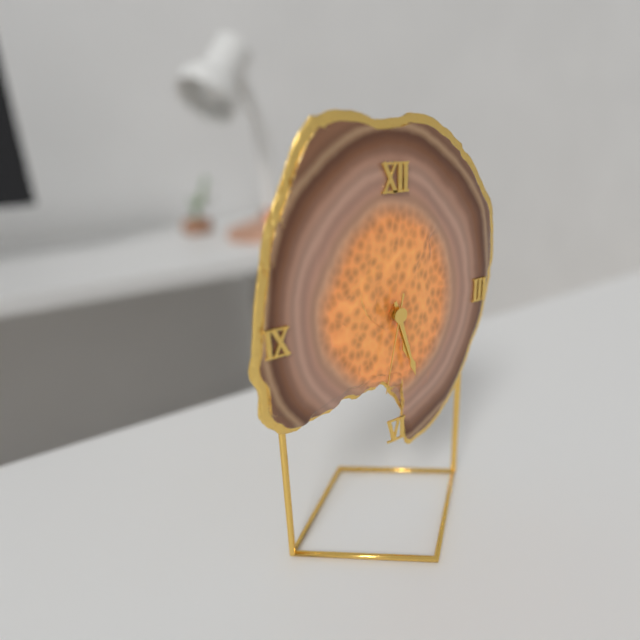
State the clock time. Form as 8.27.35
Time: 5.27.32
